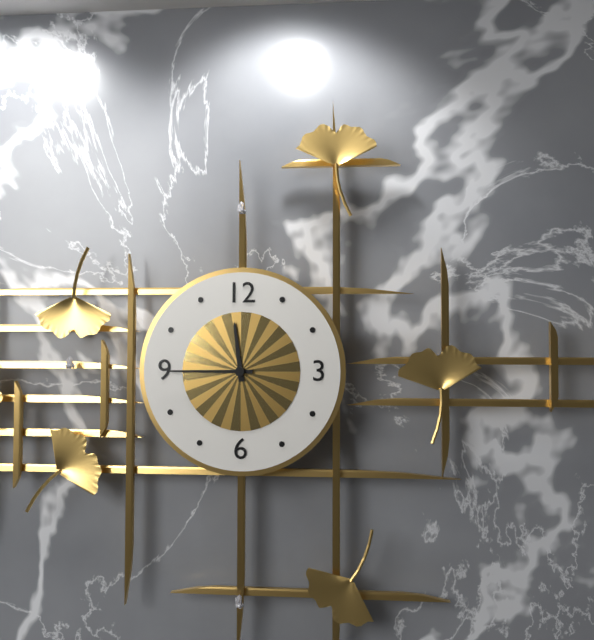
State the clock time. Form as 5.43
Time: 11.45
